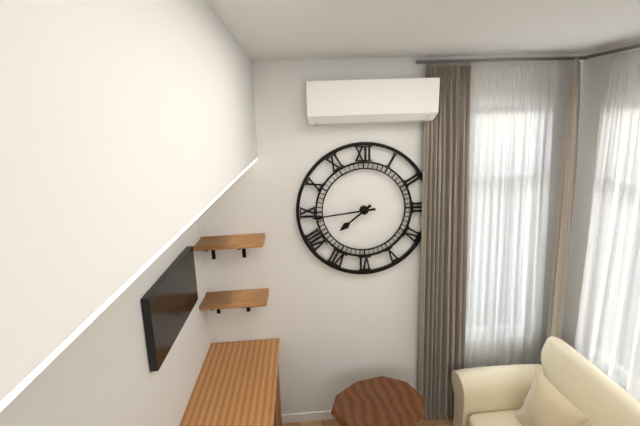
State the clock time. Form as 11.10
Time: 7.44
